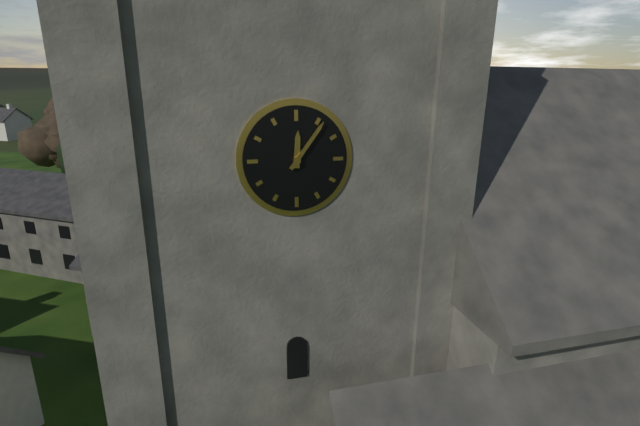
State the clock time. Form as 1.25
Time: 12.06
